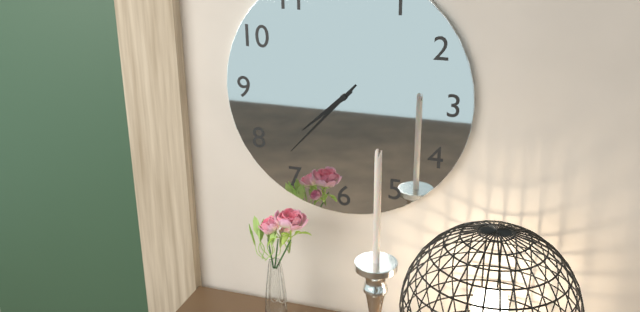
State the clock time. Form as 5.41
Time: 7.37
